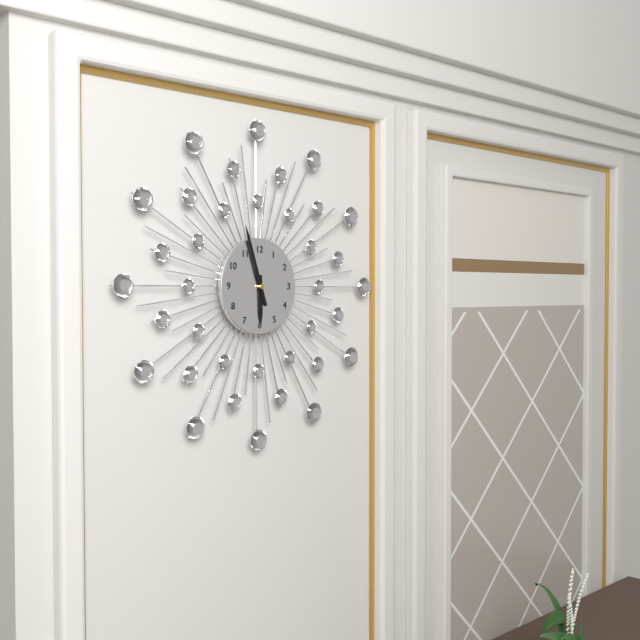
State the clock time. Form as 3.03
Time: 5.57
